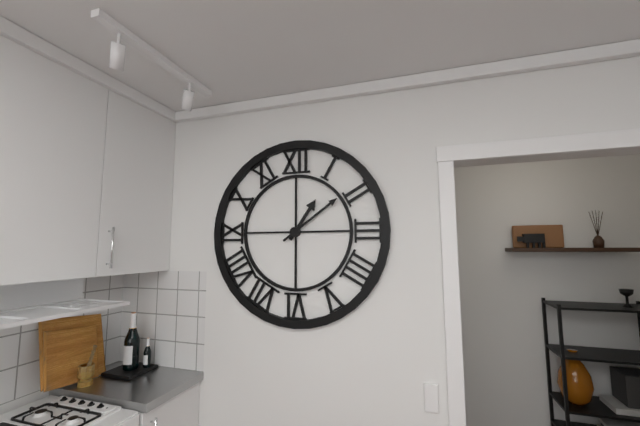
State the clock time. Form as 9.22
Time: 1.09
